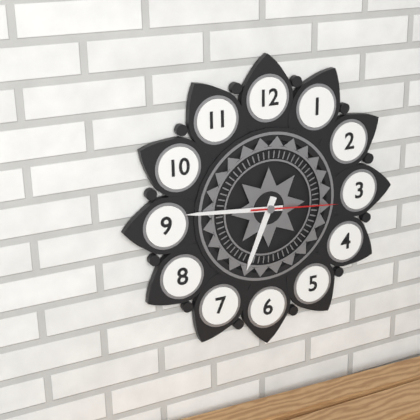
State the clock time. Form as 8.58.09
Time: 6.46.16
